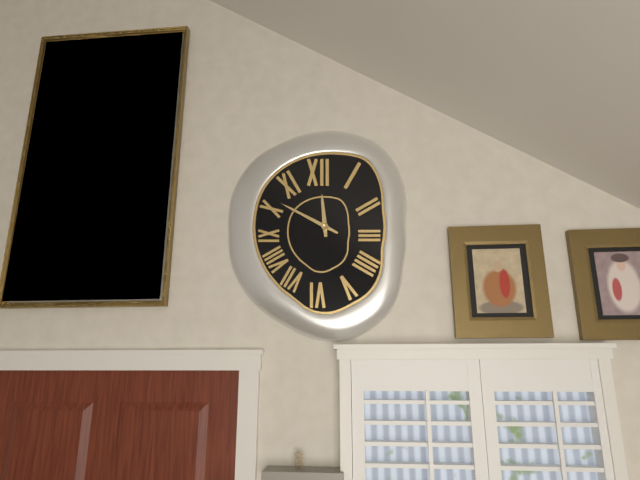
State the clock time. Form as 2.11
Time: 11.50
